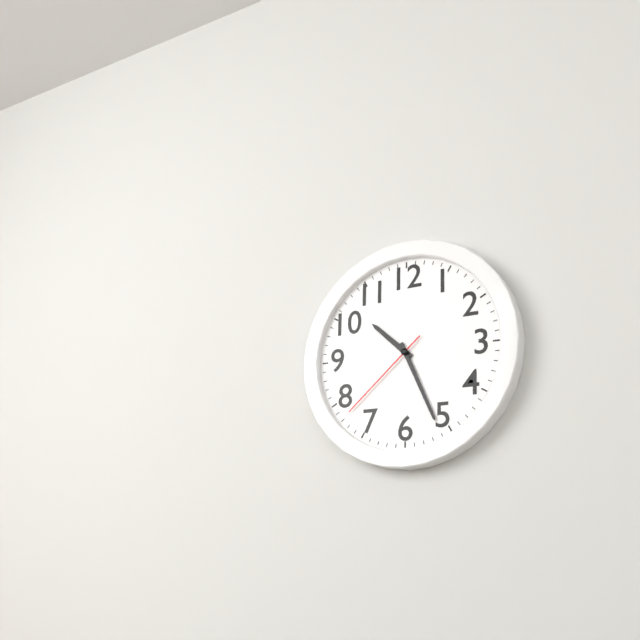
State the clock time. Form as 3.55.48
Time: 10.26.38
